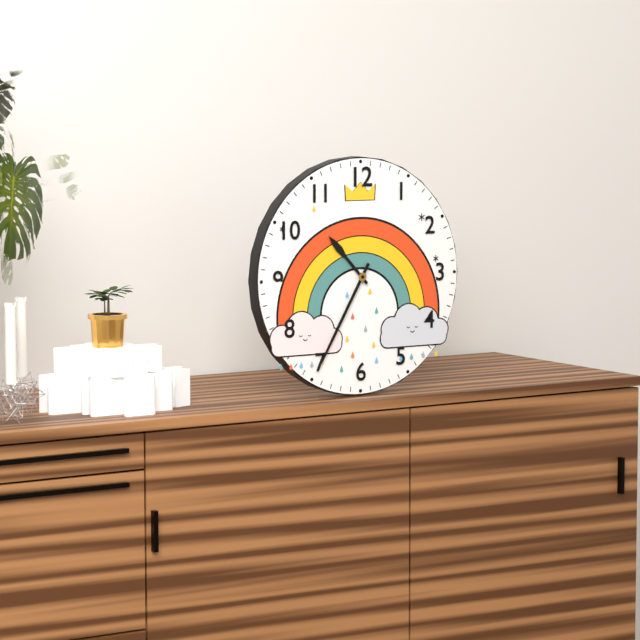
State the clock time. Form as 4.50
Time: 10.35
